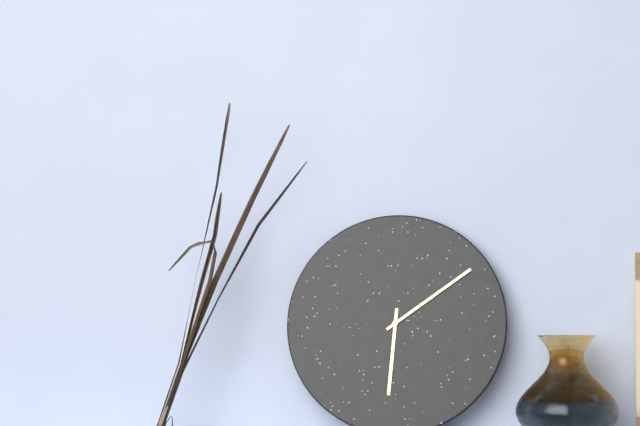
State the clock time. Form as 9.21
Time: 6.09
